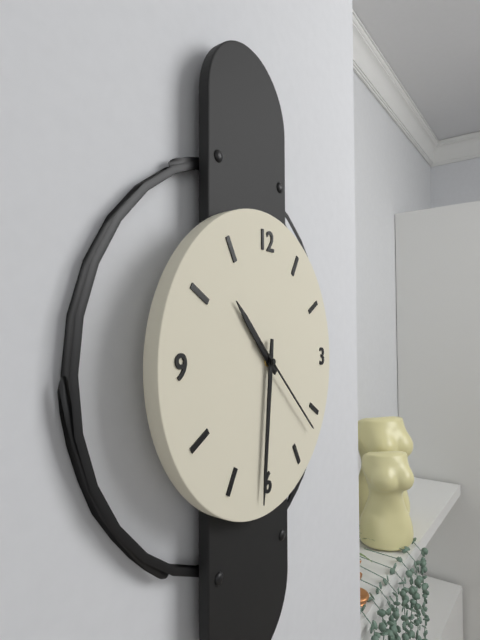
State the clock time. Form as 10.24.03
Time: 10.31.22
